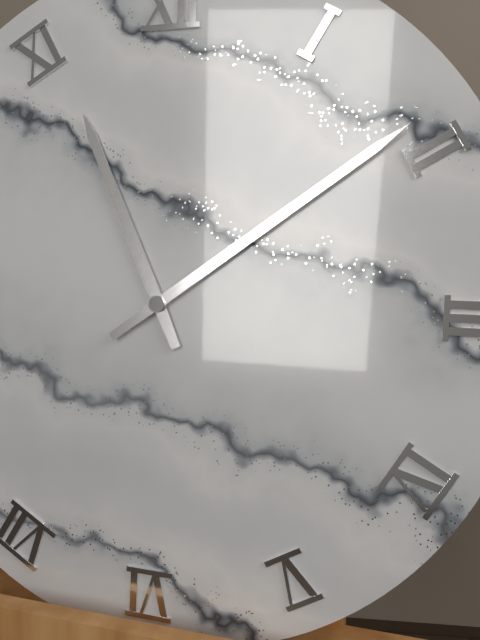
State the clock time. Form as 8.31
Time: 11.09
